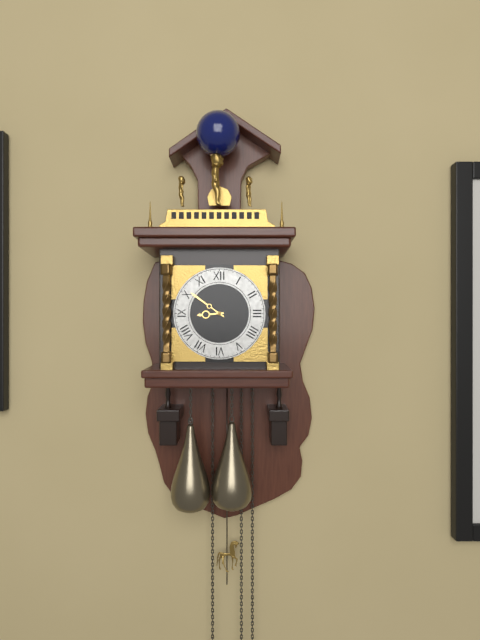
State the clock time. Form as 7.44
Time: 8.51
